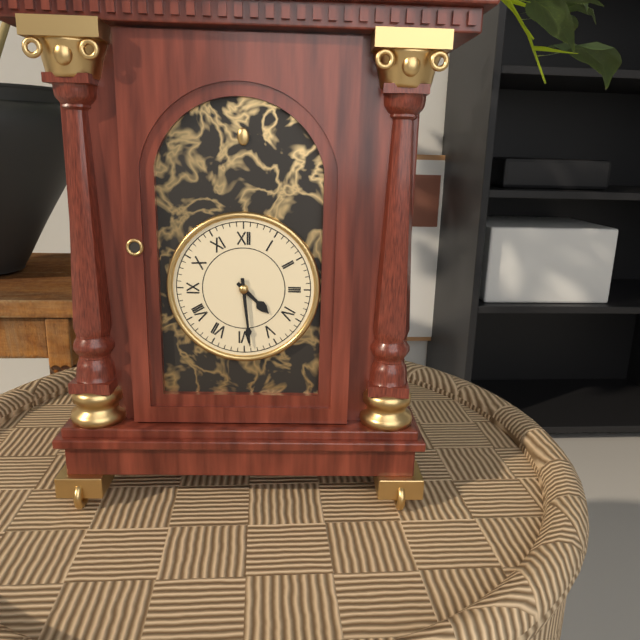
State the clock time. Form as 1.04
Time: 4.29
